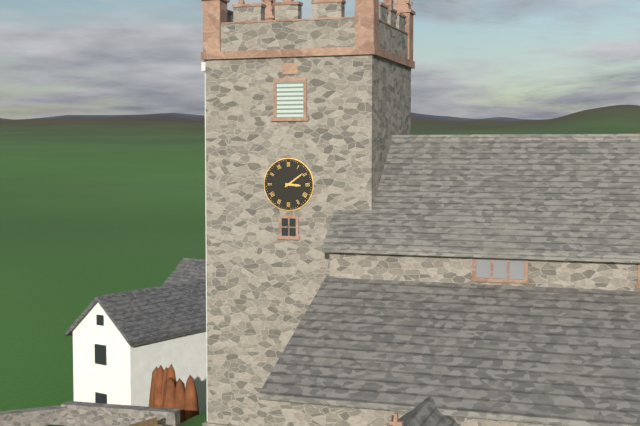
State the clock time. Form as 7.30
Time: 3.09
